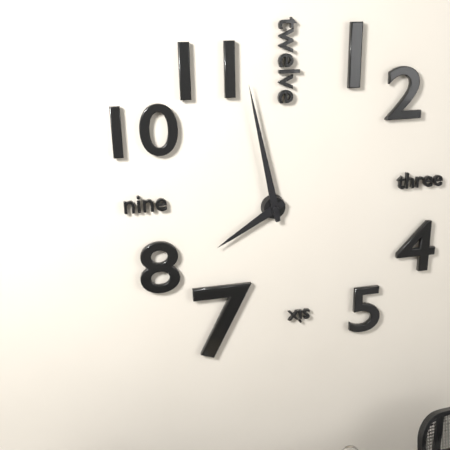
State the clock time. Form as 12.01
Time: 7.58
